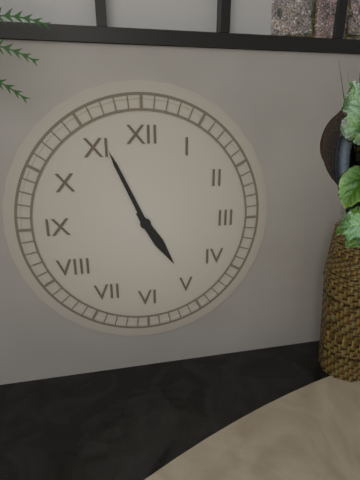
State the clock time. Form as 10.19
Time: 4.56
